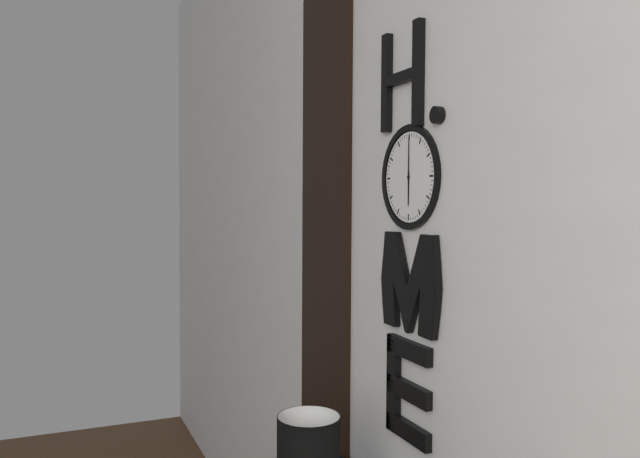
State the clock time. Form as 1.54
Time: 6.00
